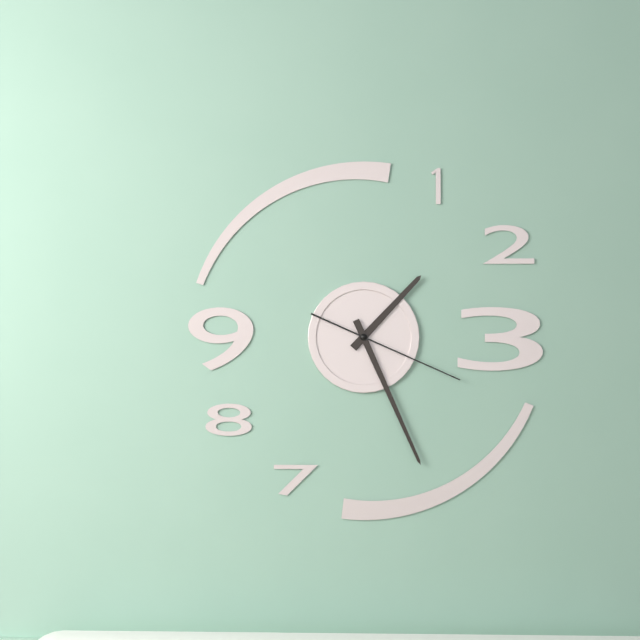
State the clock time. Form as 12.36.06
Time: 1.26.19
